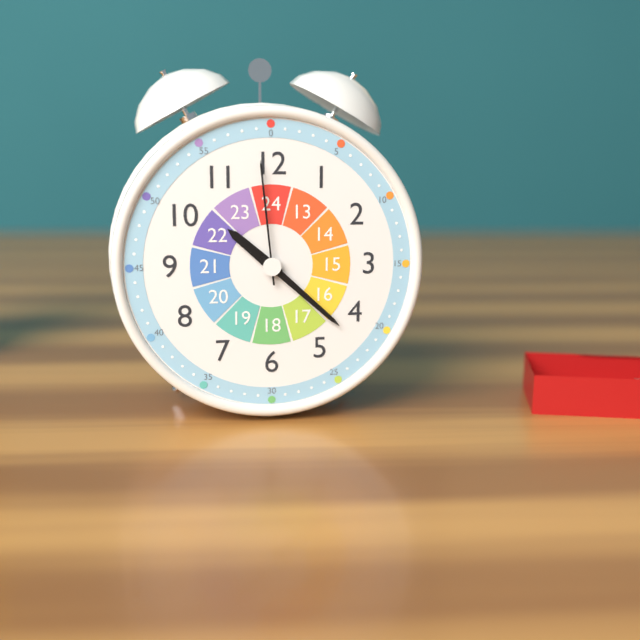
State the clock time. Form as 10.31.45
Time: 10.22.59
